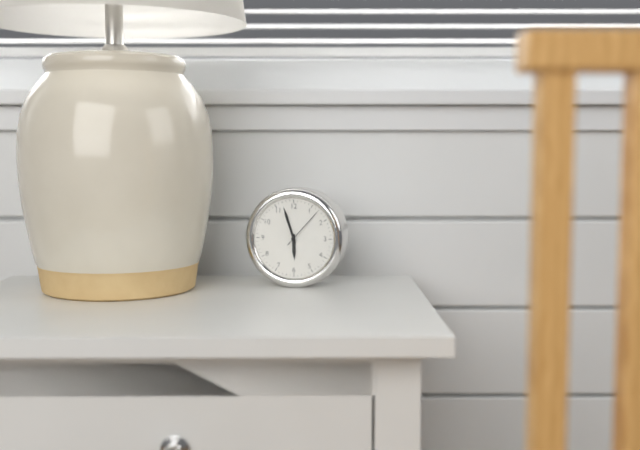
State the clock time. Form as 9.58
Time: 5.57
